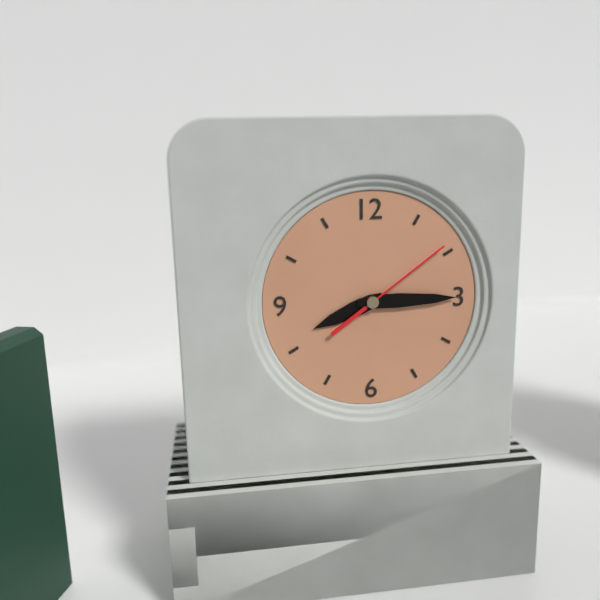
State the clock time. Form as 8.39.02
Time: 8.15.09
